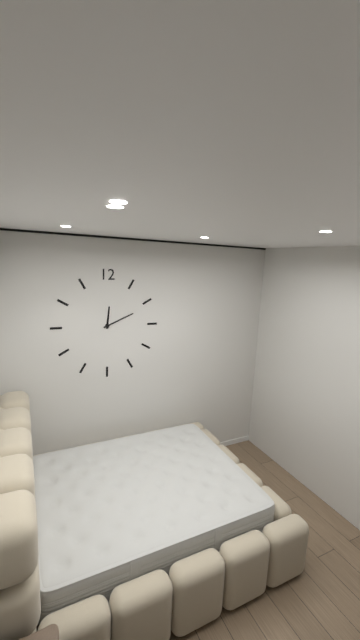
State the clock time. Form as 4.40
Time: 12.11
